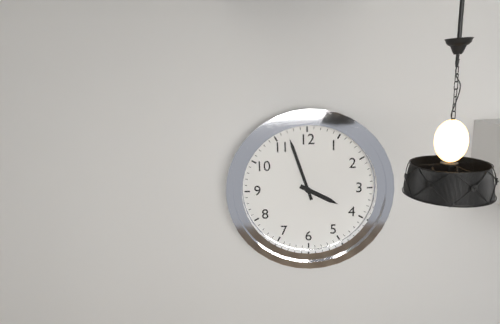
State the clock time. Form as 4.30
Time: 3.57
